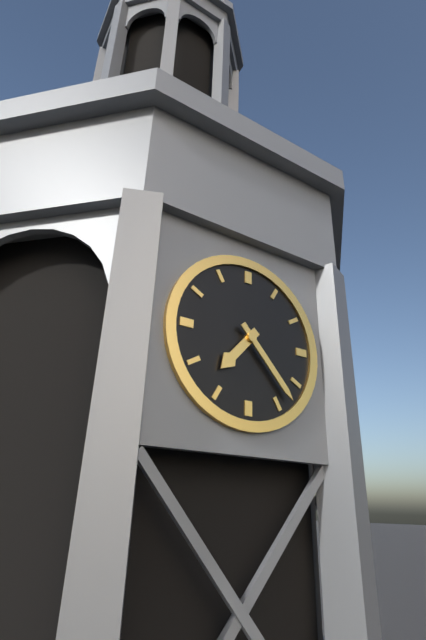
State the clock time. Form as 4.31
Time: 7.23
